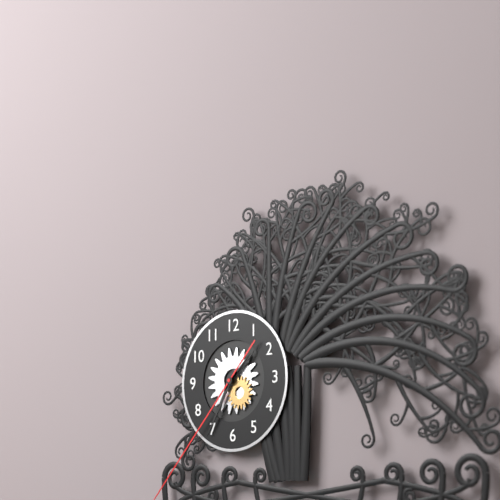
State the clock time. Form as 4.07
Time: 1.35
